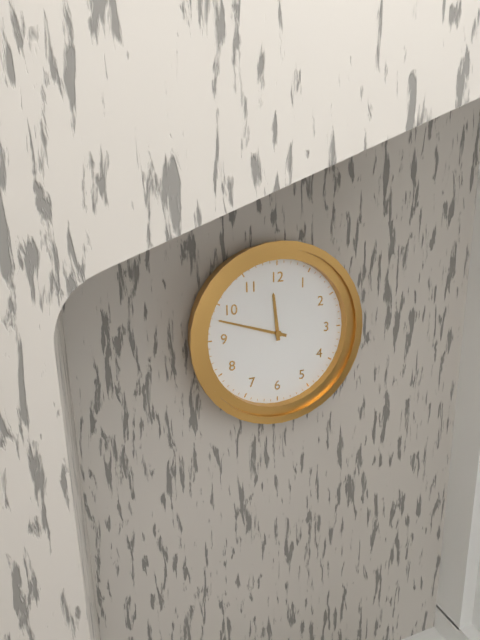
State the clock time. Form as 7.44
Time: 11.48
